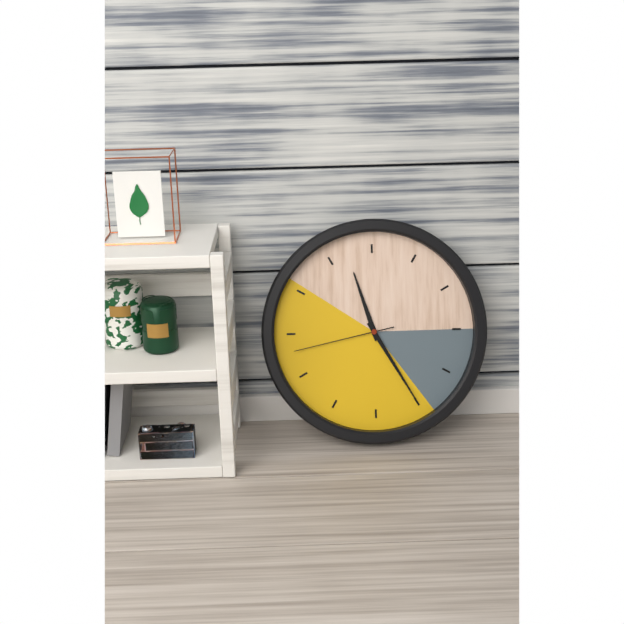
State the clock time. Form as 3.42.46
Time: 11.25.43
